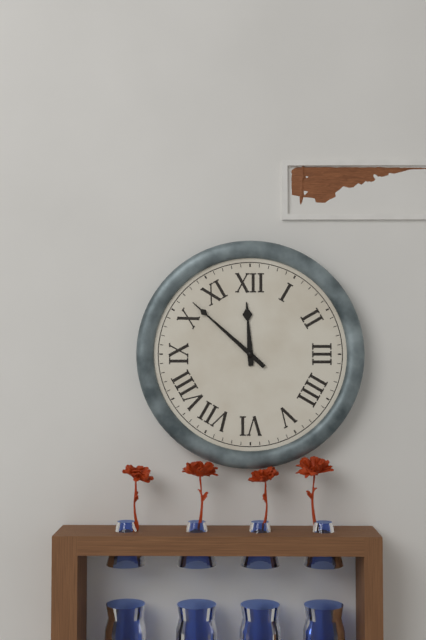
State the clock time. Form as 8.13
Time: 11.52
